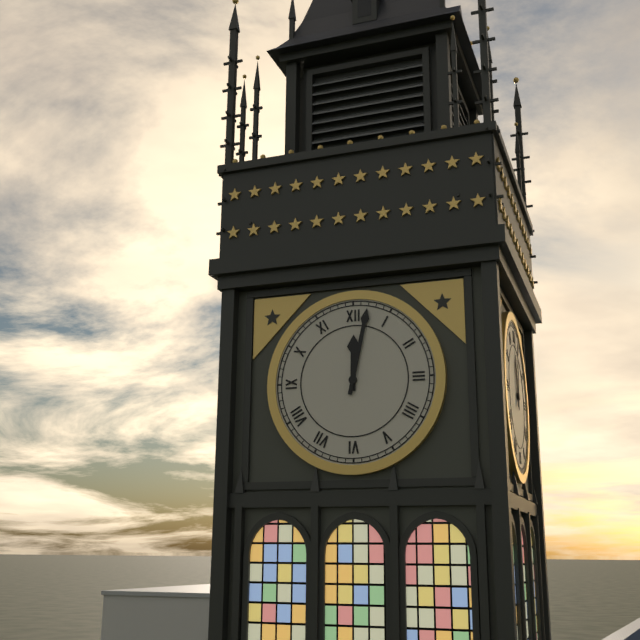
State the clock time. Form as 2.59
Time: 12.02
